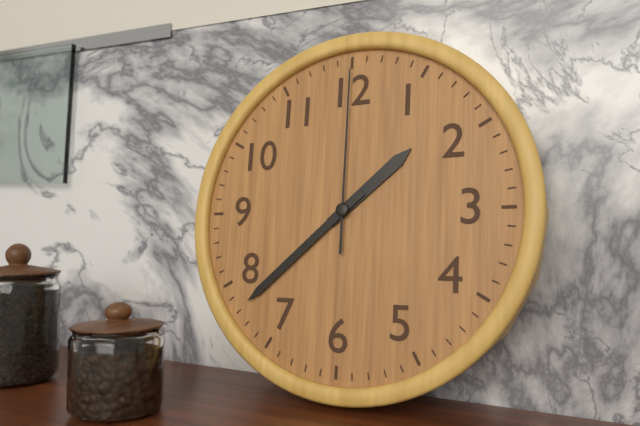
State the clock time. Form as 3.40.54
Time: 1.38.00
